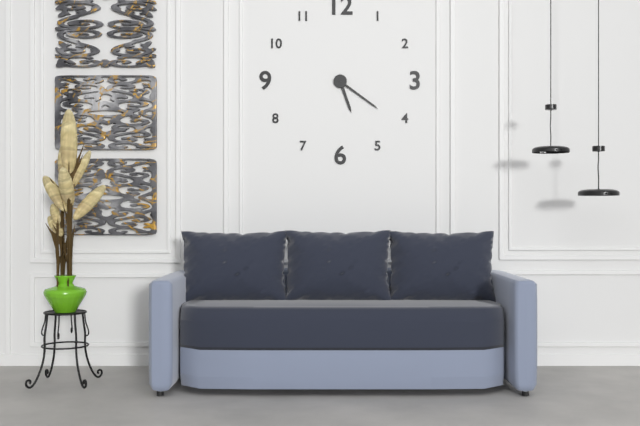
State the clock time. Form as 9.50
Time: 5.21
